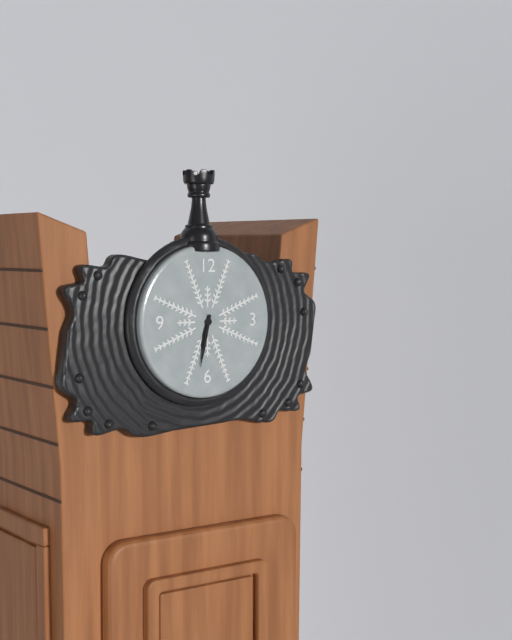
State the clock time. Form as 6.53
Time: 6.32
